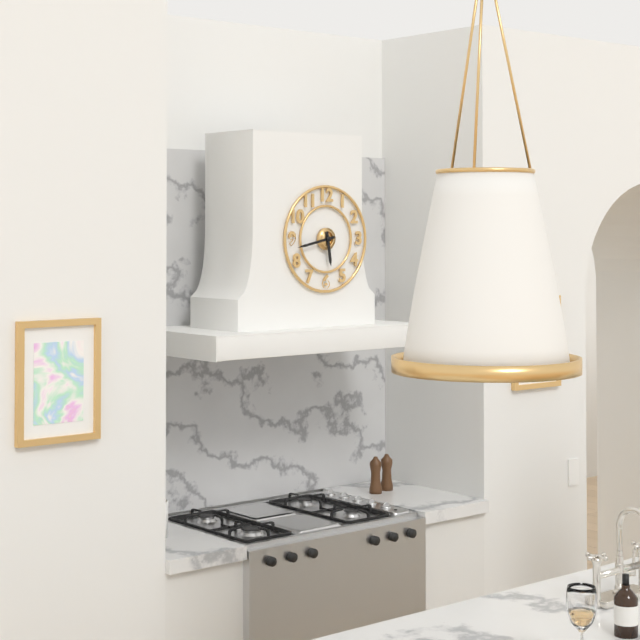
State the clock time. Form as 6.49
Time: 5.43
